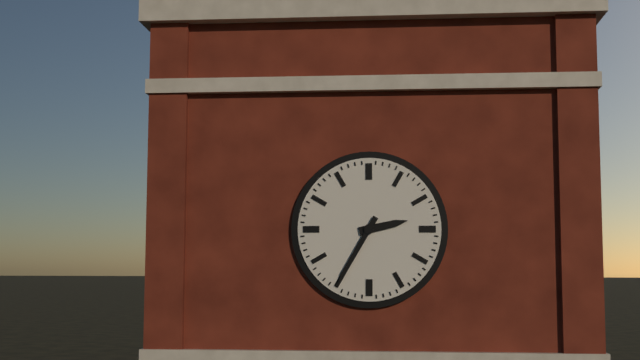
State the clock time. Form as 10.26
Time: 2.35
